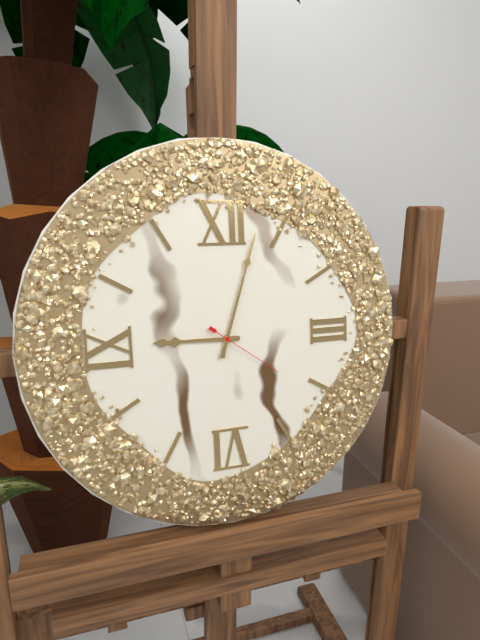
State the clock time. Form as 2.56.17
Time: 9.03.21
